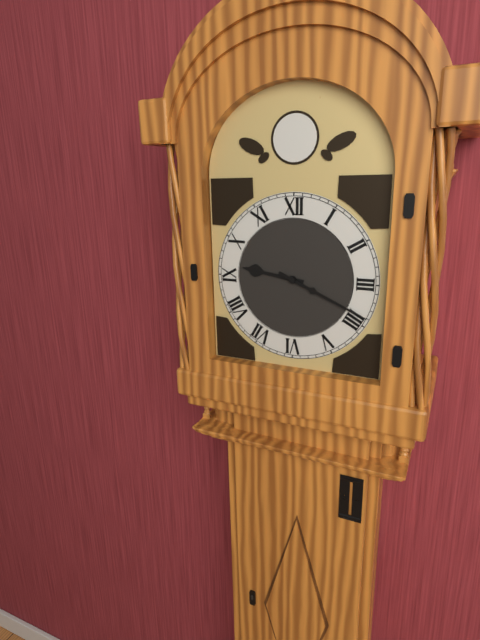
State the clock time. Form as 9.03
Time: 9.19
